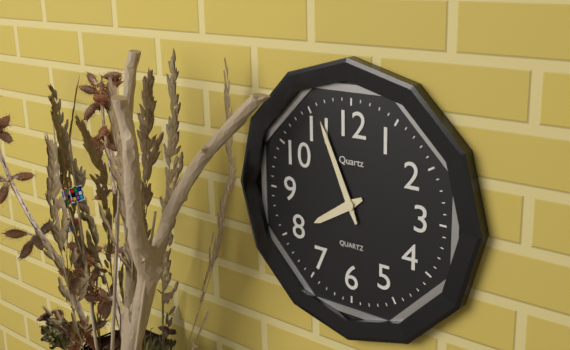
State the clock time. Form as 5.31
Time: 7.56
